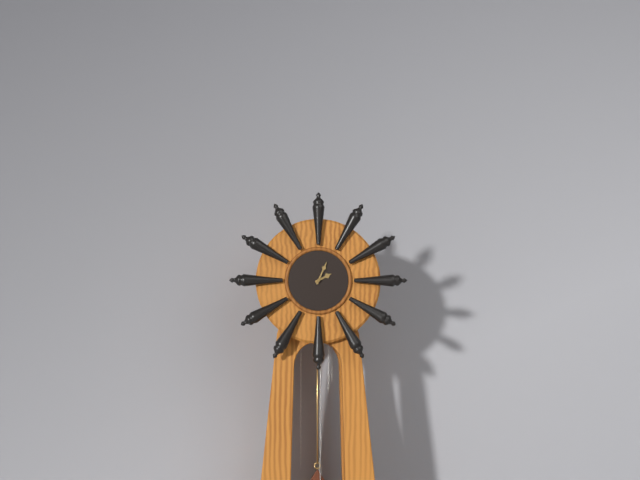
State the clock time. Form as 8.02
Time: 2.04
